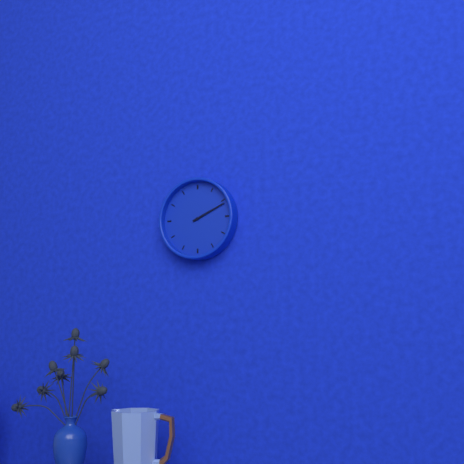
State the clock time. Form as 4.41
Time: 2.11
